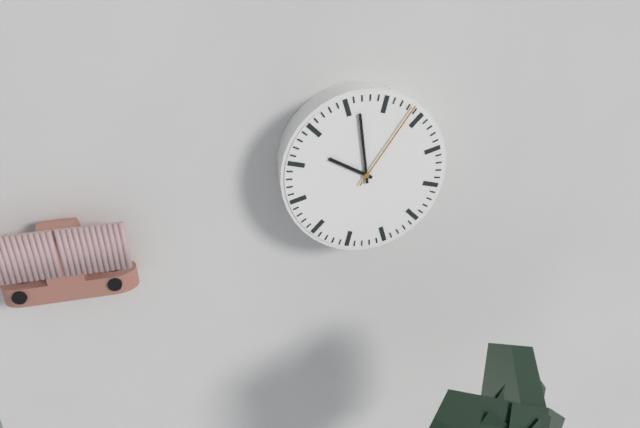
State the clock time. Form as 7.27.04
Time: 9.59.06
